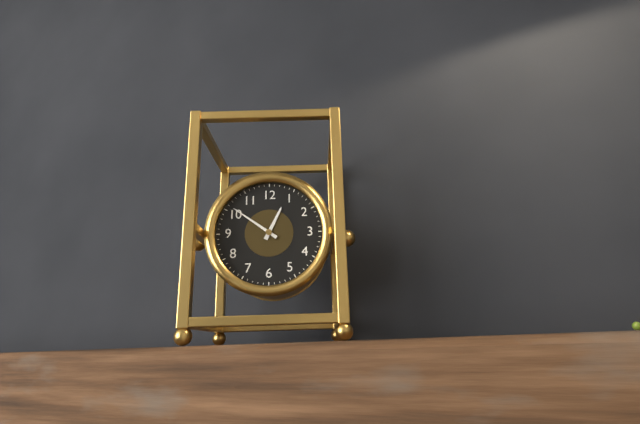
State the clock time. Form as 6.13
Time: 12.51
